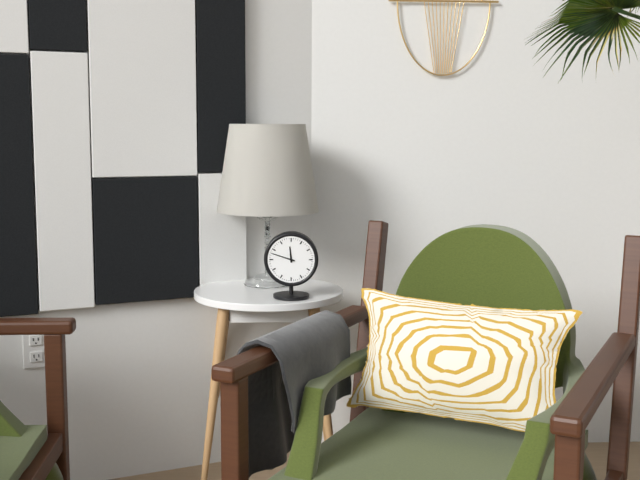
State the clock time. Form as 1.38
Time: 11.48
